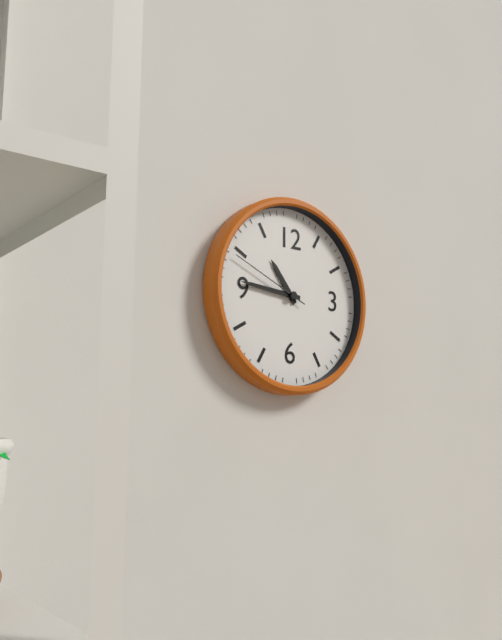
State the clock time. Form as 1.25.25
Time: 10.46.49
